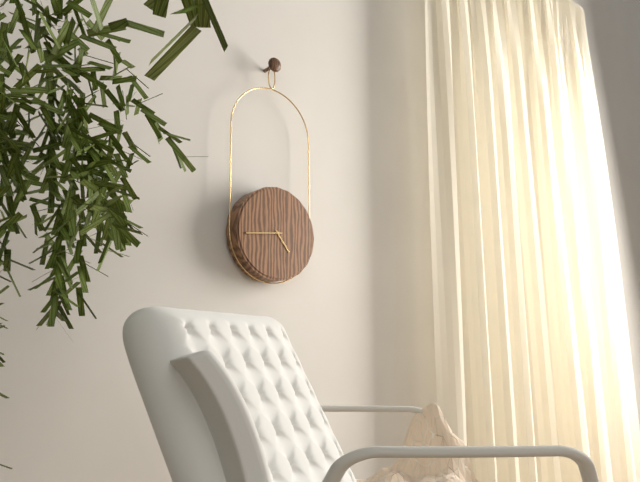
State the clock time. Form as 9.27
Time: 4.44
